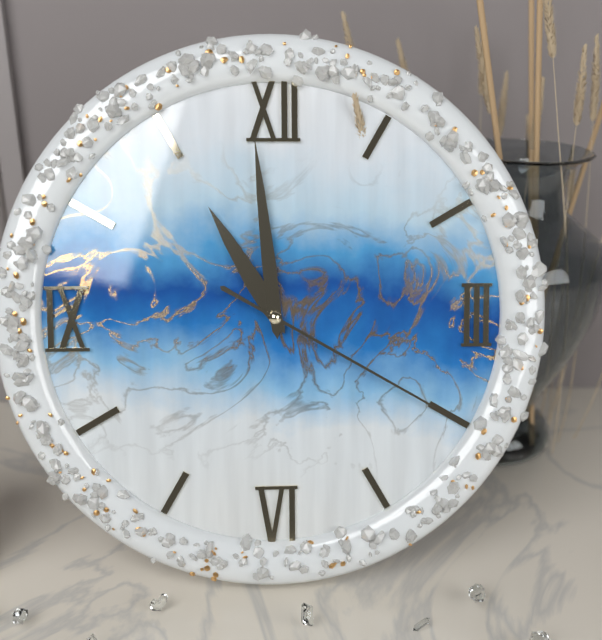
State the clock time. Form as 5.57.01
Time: 10.59.20
